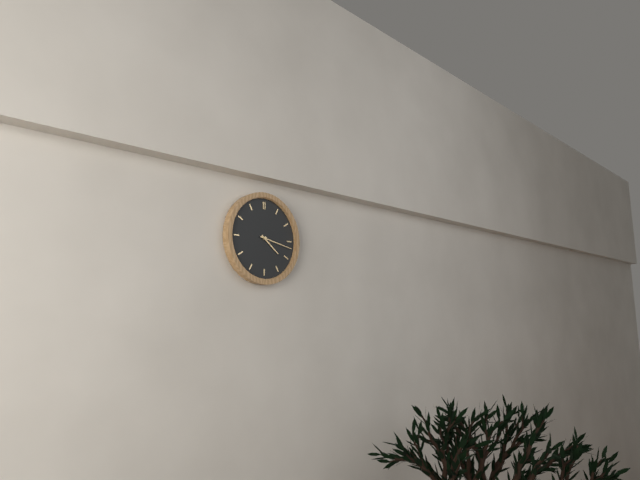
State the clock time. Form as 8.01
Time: 4.17
